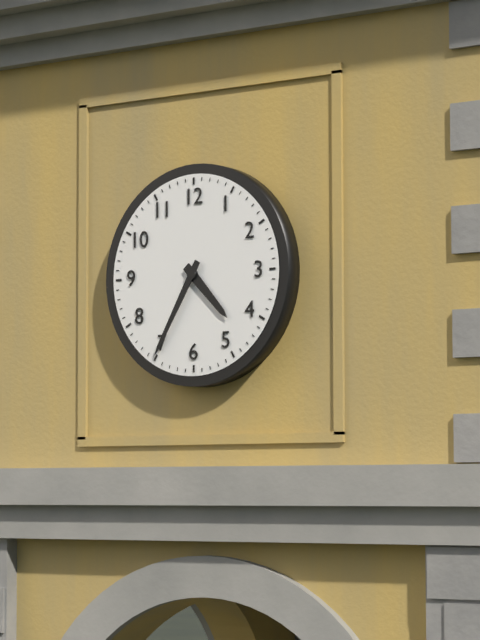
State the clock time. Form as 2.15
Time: 4.35
